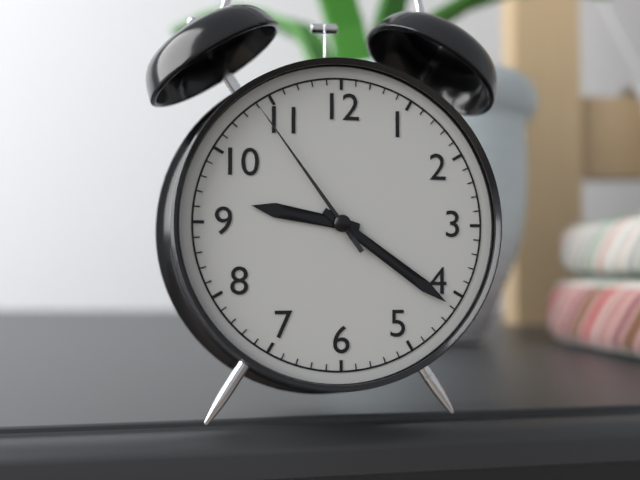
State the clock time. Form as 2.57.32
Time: 9.21.54
